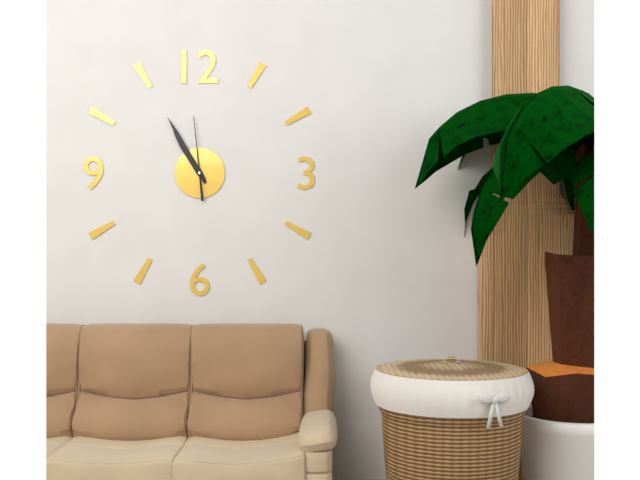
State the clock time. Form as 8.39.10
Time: 10.55.59
